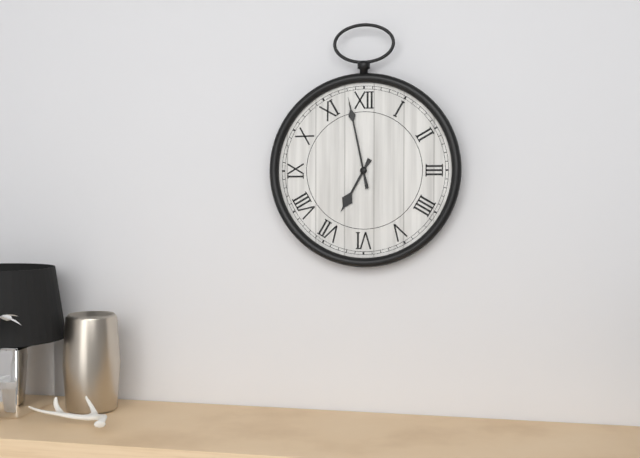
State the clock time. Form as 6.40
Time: 6.58
